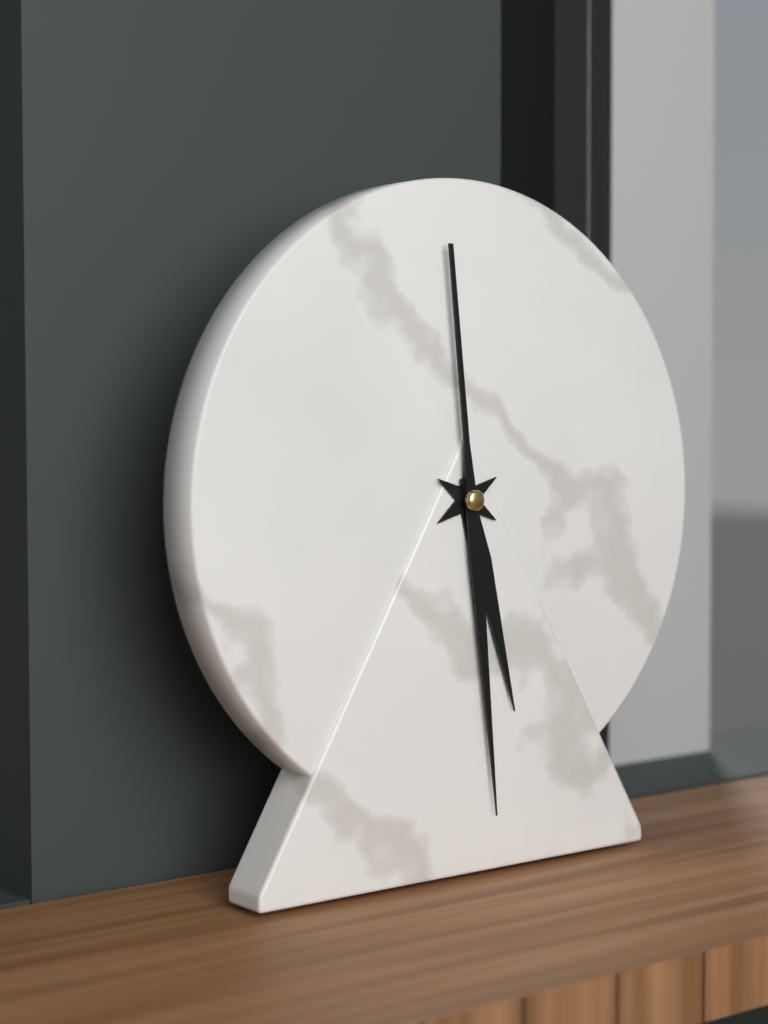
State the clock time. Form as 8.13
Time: 5.29
